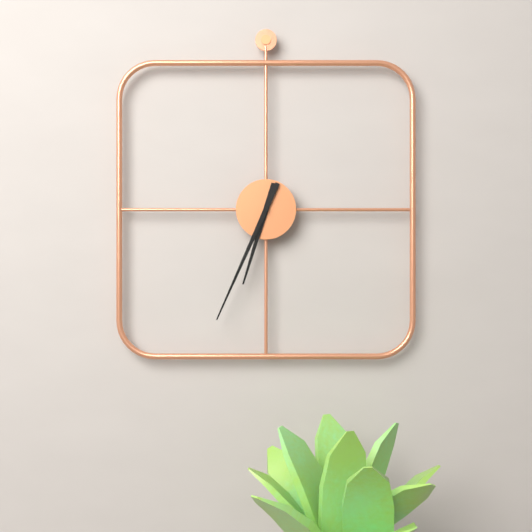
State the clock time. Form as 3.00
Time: 6.34
